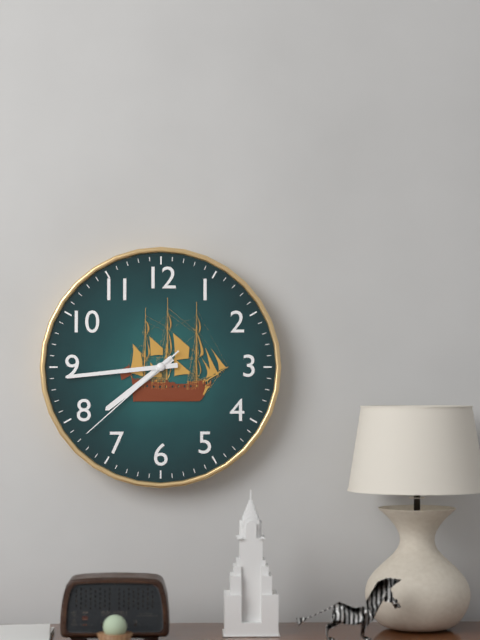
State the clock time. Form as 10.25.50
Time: 7.44.38
